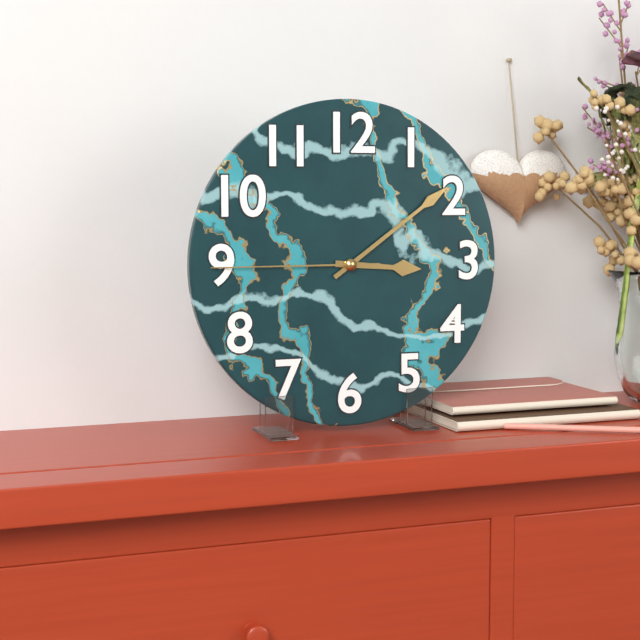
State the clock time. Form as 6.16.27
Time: 3.09.45
